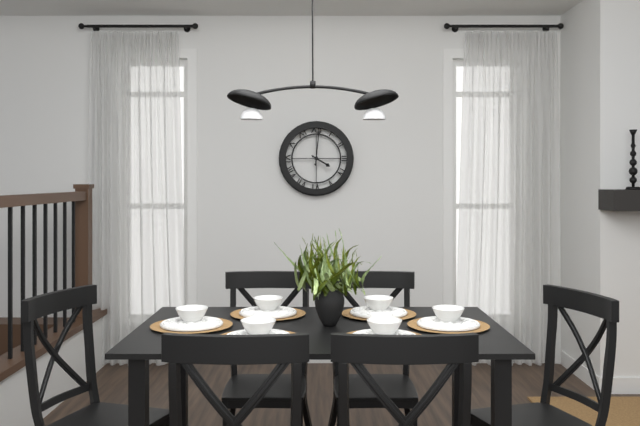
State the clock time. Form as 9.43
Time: 4.01
